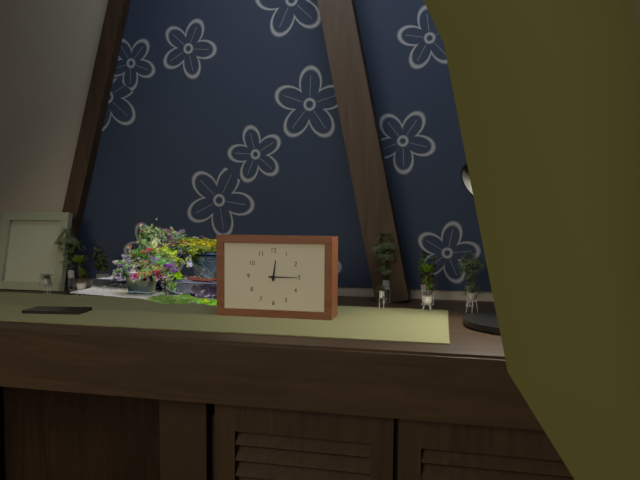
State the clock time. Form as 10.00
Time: 12.15
